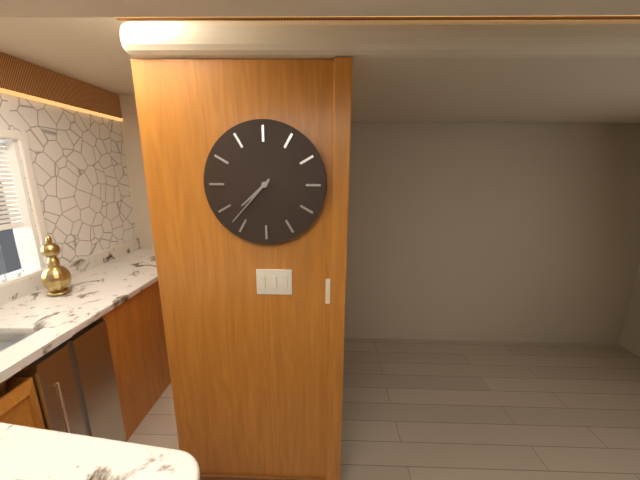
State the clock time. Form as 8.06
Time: 7.37
